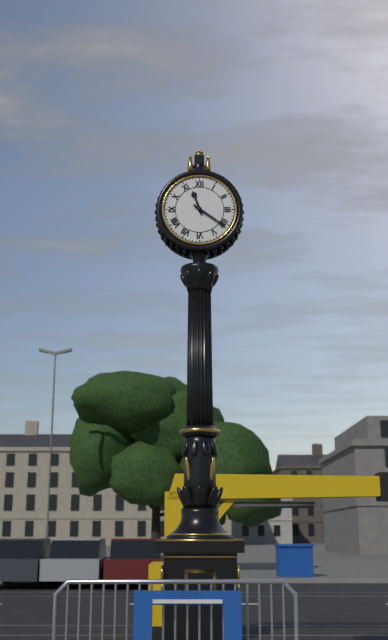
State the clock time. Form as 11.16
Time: 11.21
